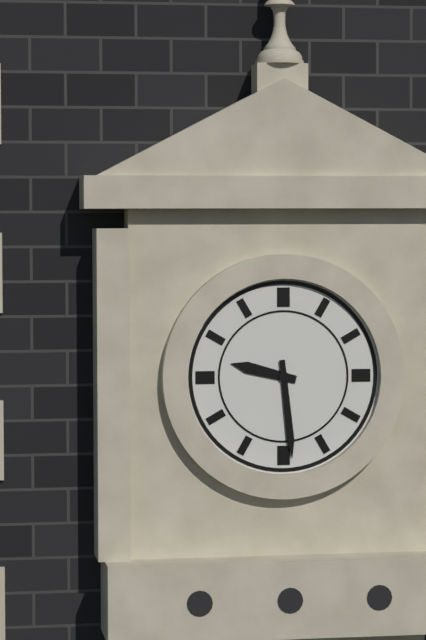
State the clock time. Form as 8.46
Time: 9.29
